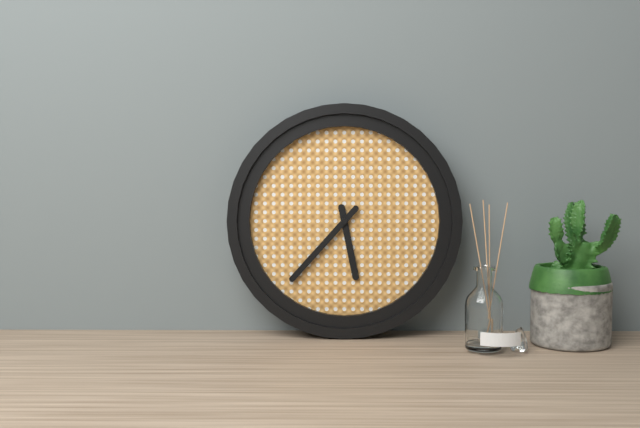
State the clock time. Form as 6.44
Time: 5.37
